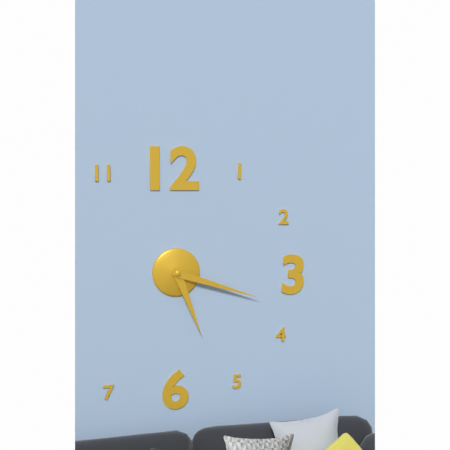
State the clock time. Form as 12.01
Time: 5.18
